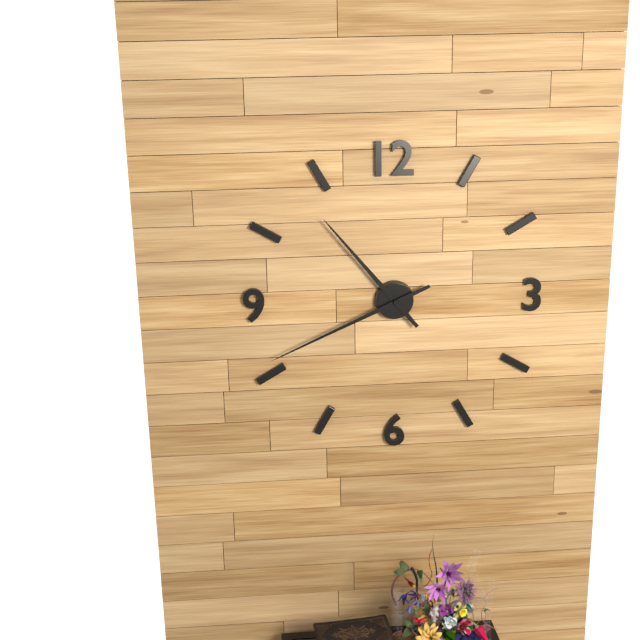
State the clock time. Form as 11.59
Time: 10.41
